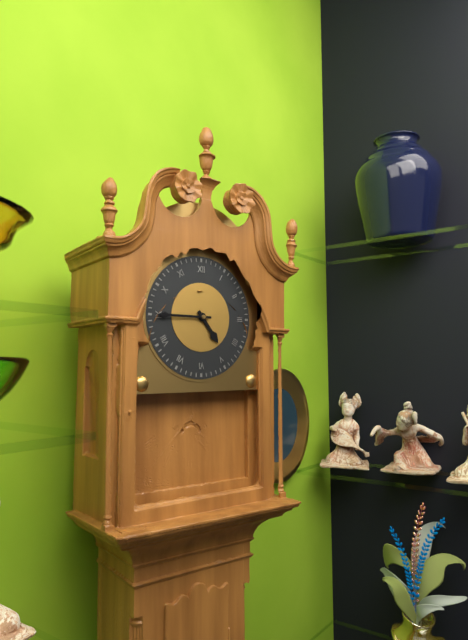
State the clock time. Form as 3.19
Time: 4.45
